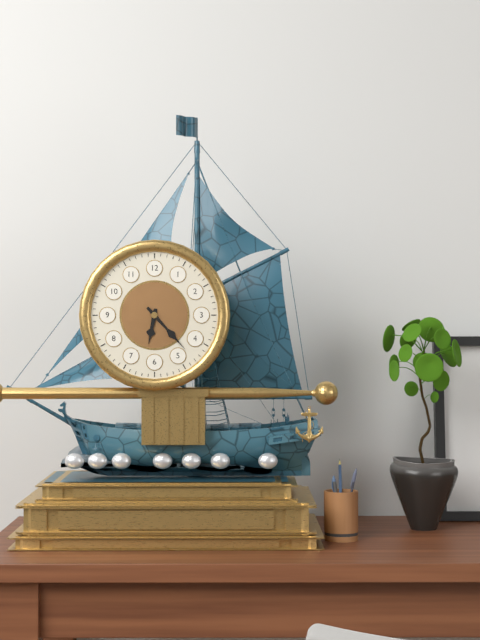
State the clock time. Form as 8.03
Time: 6.23
